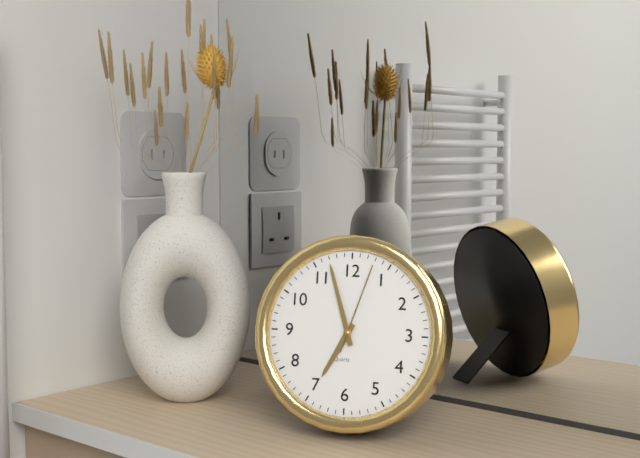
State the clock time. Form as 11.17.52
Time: 6.57.03
